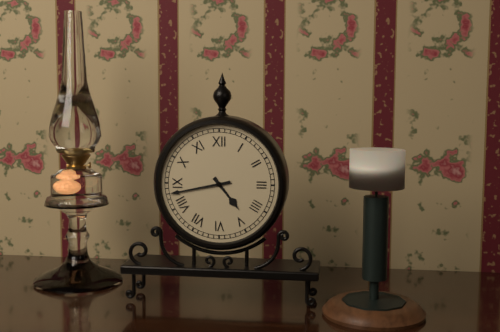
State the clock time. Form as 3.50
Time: 4.43
